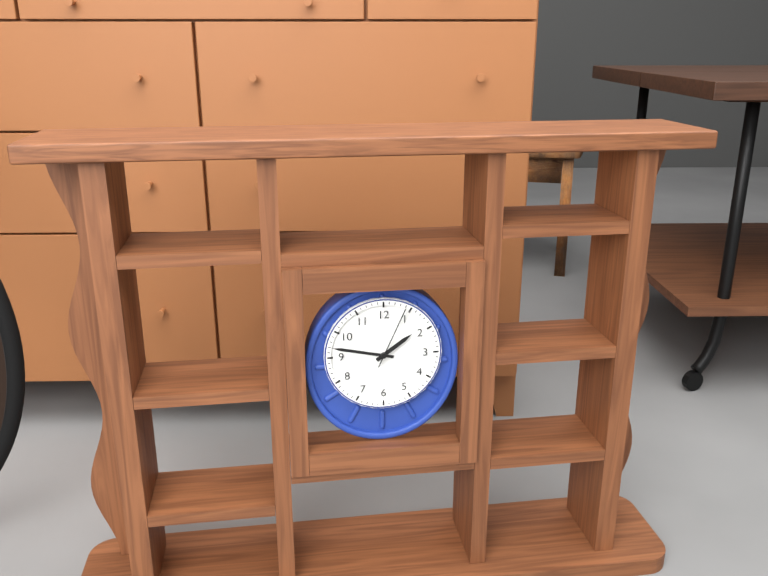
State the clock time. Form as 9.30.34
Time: 1.47.04
